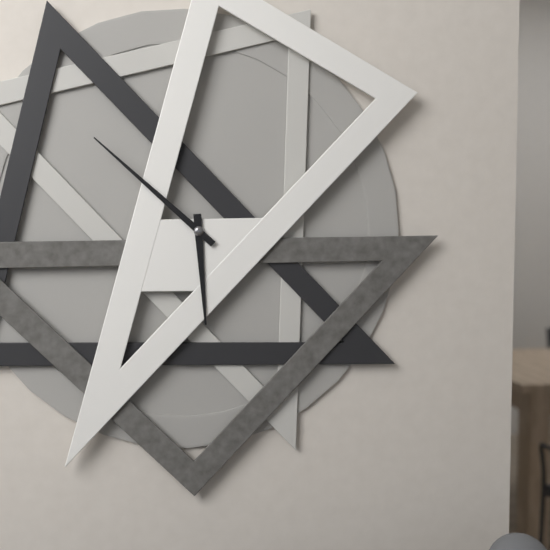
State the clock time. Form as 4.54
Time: 5.52
